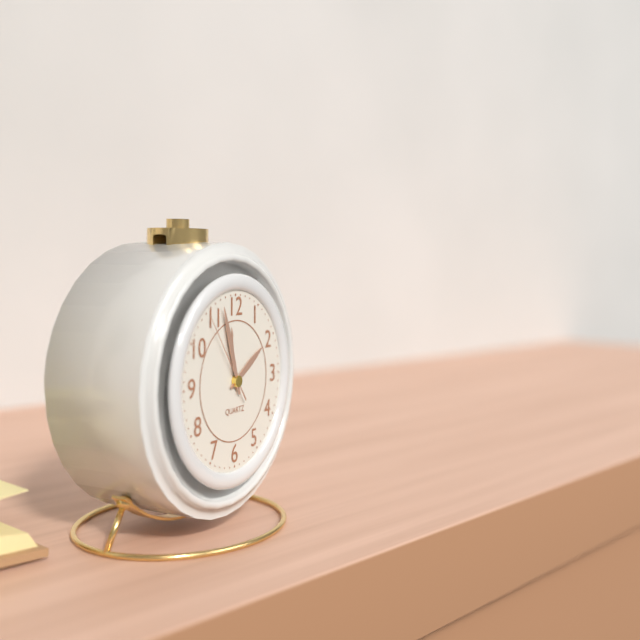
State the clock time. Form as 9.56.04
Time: 1.57.54
